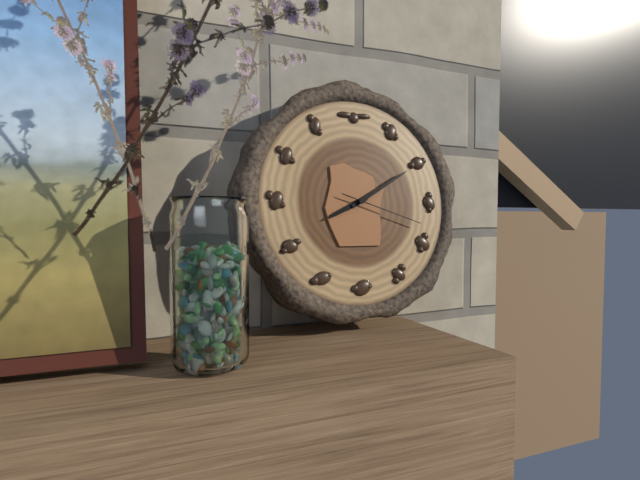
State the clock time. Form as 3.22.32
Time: 8.10.18
